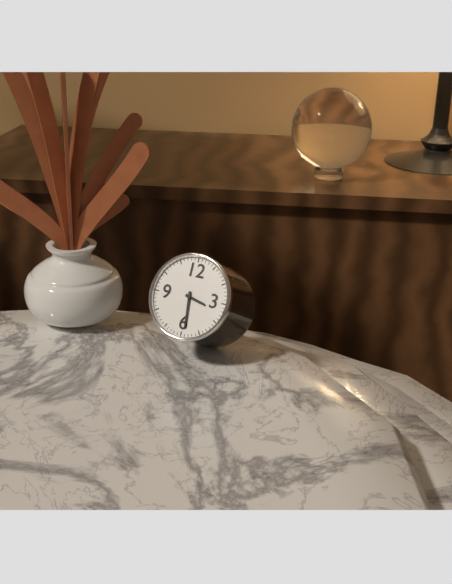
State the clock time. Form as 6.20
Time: 3.29
